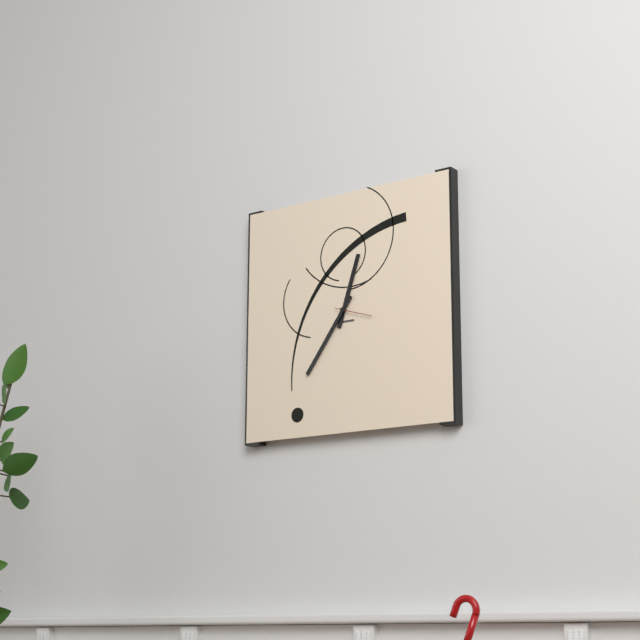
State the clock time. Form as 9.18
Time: 12.36
